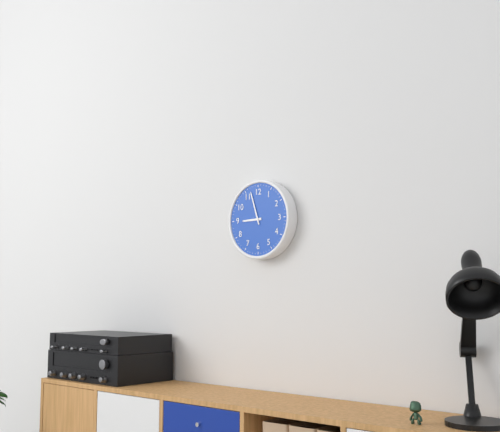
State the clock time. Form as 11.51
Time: 8.57
